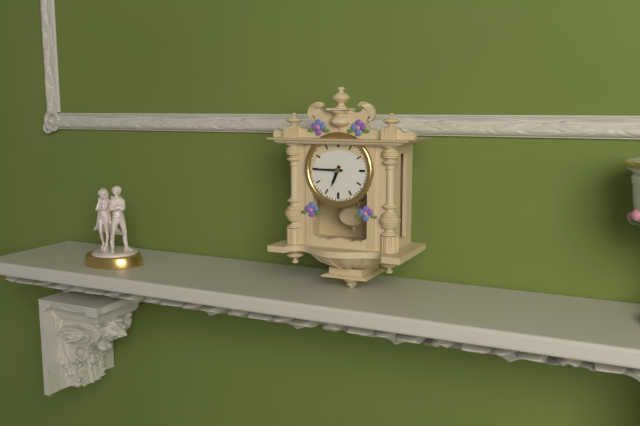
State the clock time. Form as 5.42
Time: 6.45
